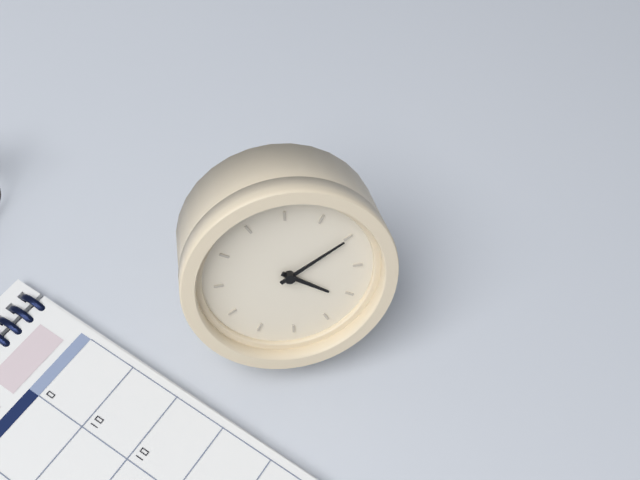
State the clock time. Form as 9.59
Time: 4.10
